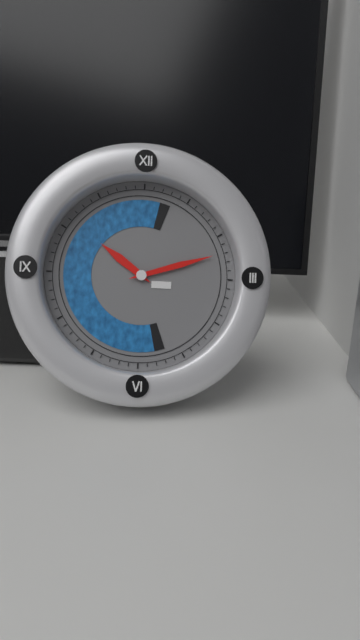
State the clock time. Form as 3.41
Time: 10.12
